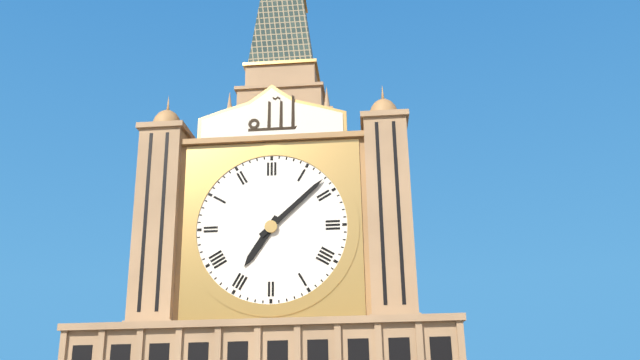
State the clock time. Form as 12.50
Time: 7.08
